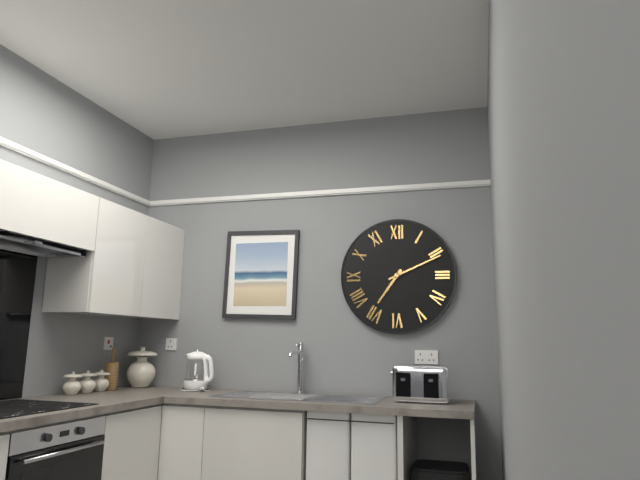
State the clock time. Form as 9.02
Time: 7.11
